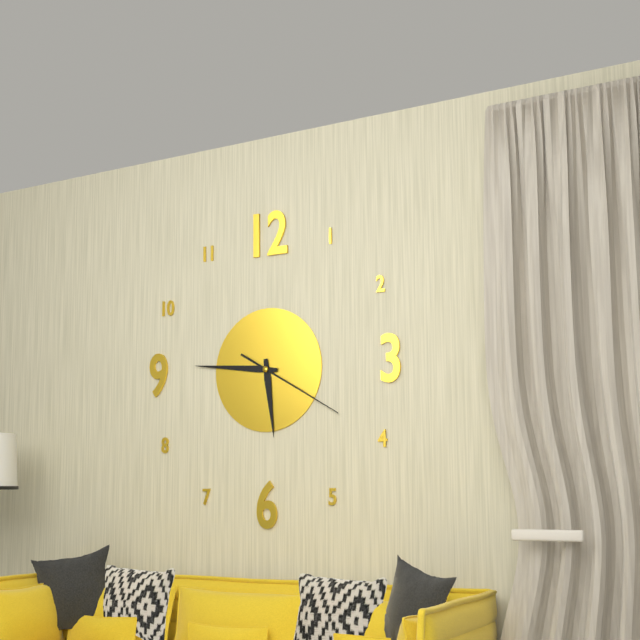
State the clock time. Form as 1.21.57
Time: 5.46.20
